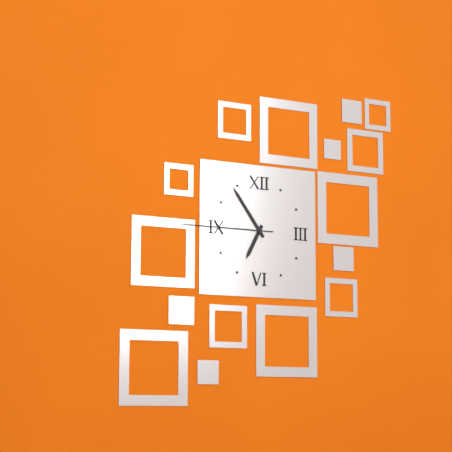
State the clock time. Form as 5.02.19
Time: 6.54.45
